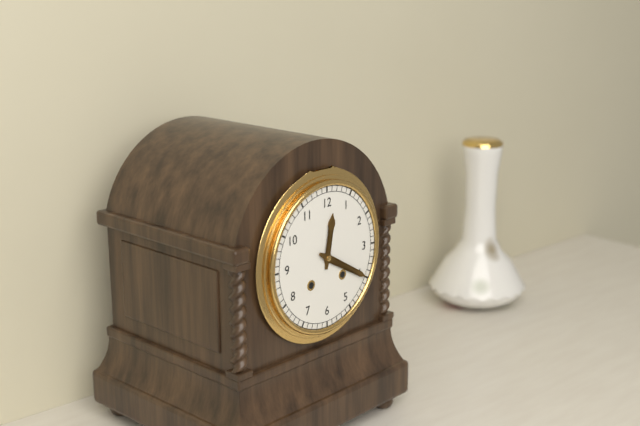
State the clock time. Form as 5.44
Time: 12.20
